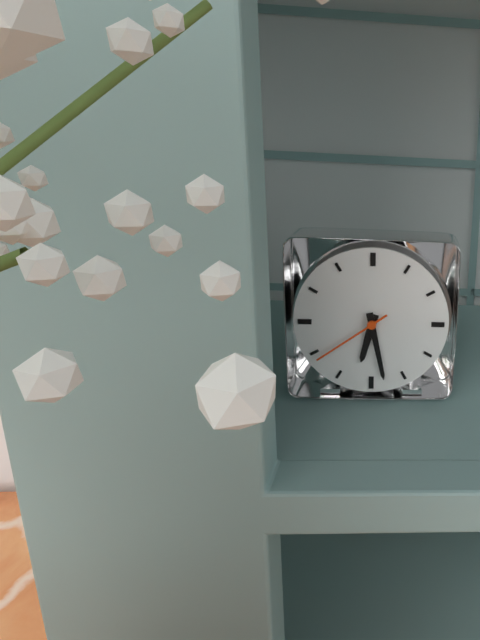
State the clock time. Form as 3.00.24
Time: 6.28.39
